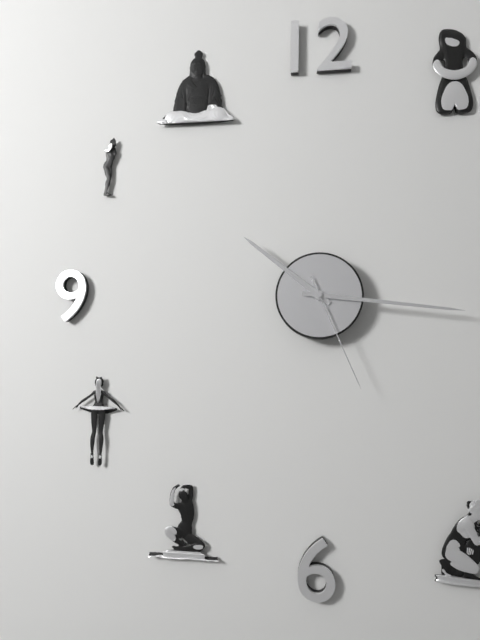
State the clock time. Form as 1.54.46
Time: 10.16.26
